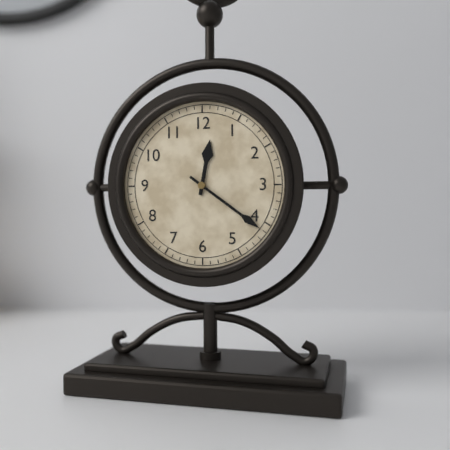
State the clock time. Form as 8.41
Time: 12.21
